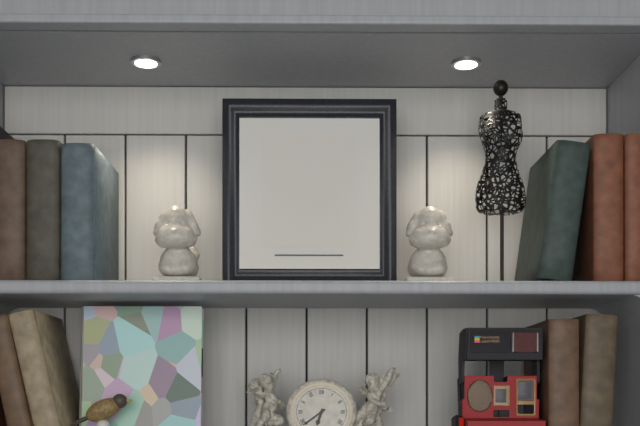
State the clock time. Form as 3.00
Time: 6.39
